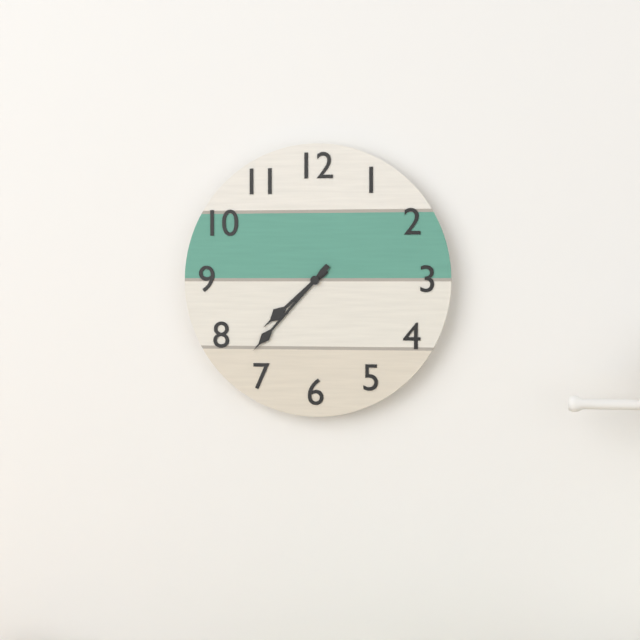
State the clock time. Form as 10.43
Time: 7.37
